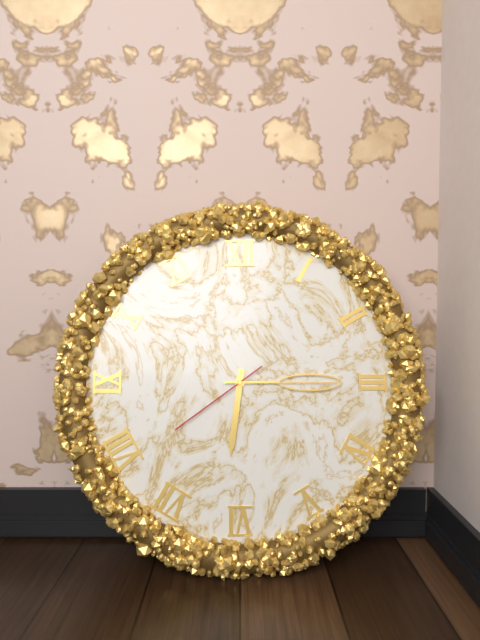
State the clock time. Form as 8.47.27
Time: 6.15.39
